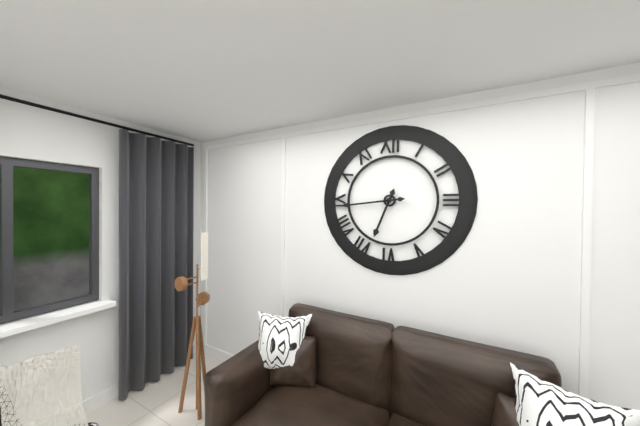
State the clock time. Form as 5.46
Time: 6.44
